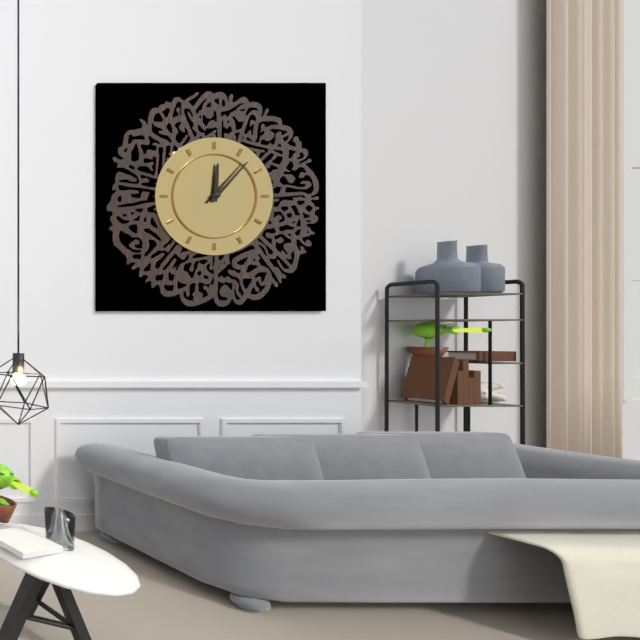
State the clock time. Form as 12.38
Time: 12.07
